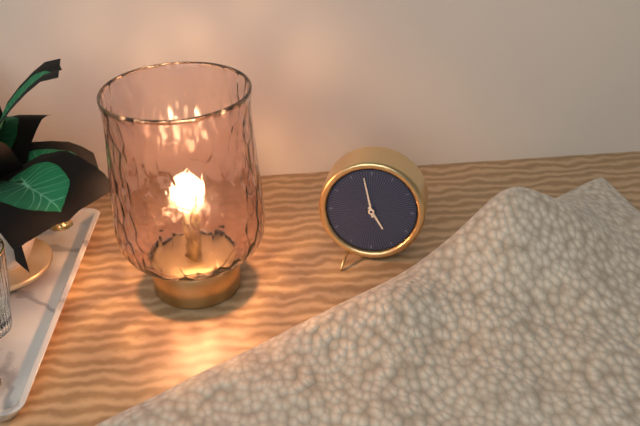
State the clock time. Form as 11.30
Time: 4.58
